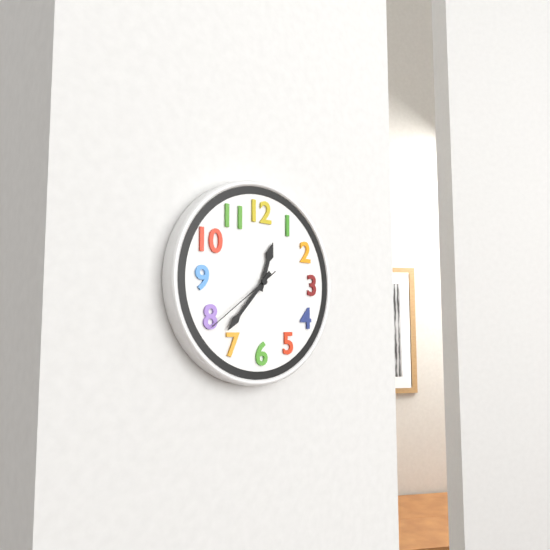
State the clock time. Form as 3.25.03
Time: 12.37.39
